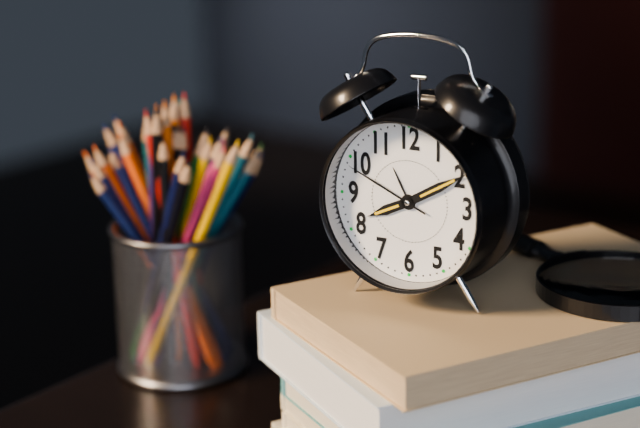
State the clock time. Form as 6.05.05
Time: 8.10.49
